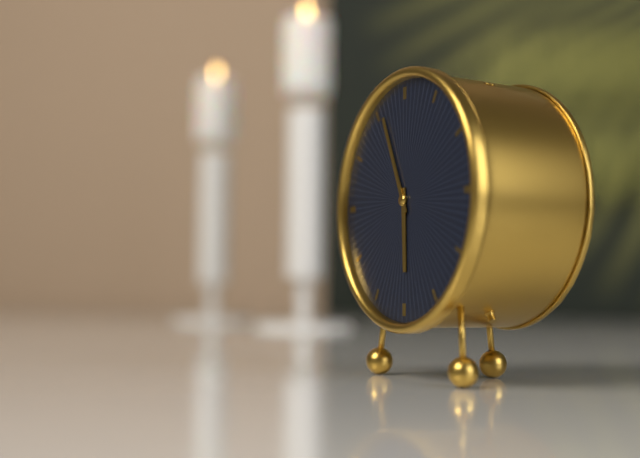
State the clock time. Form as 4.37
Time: 5.56
